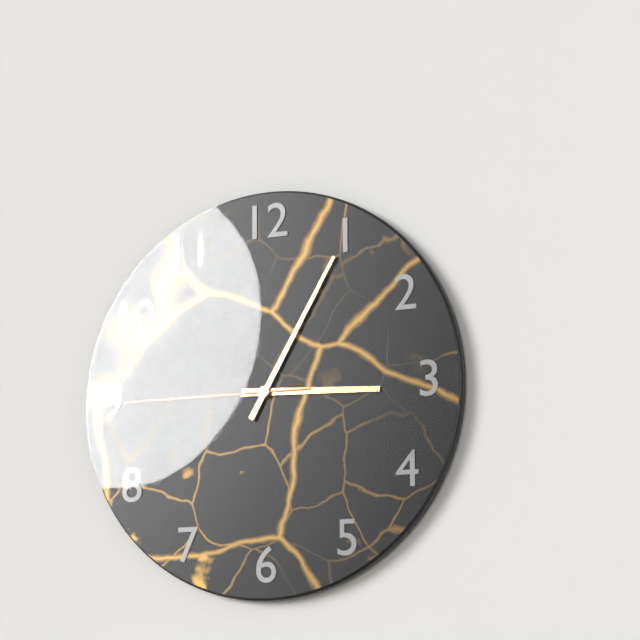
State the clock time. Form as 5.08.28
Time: 3.05.45
